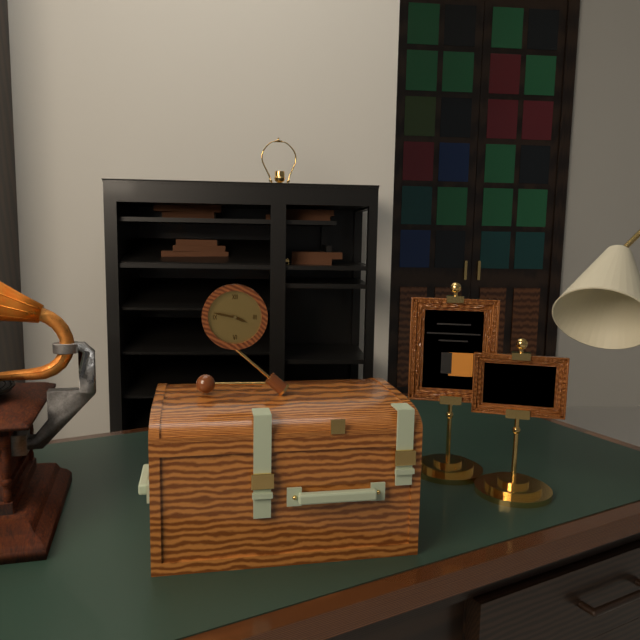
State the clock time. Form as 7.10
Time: 3.47
